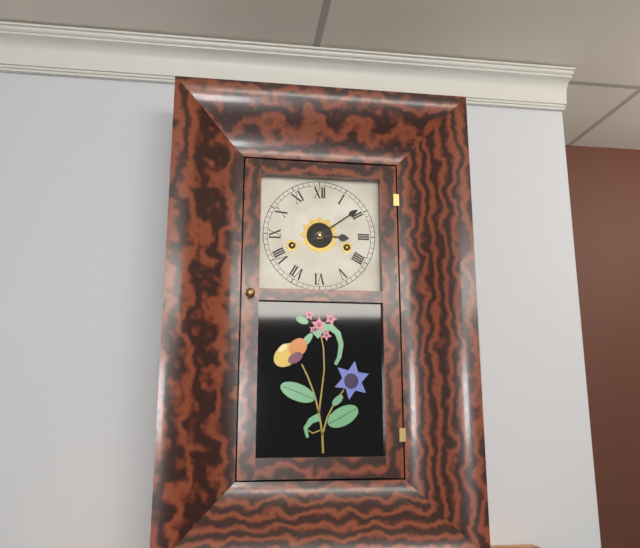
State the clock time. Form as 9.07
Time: 3.09
